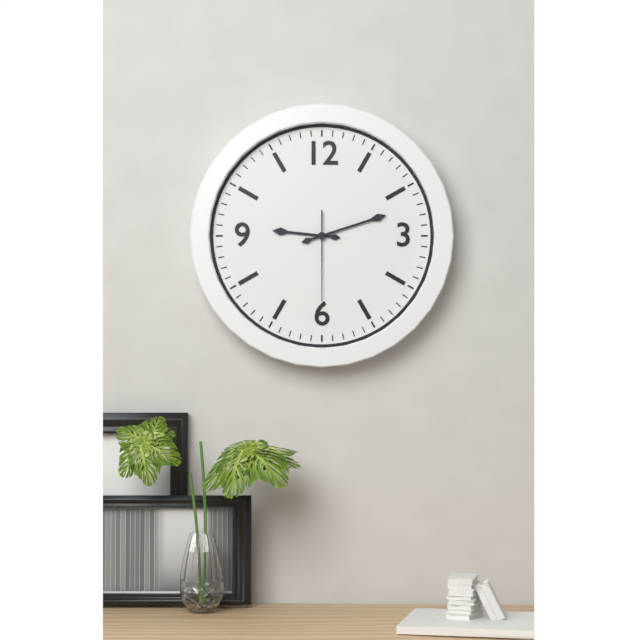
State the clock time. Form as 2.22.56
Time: 9.12.30
